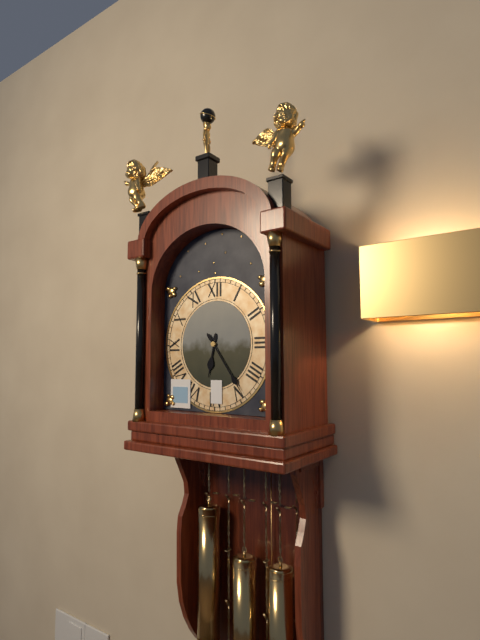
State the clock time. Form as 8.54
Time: 6.24
